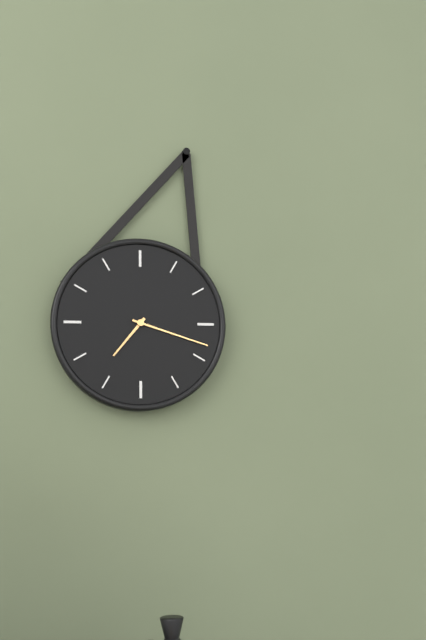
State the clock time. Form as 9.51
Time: 7.18
